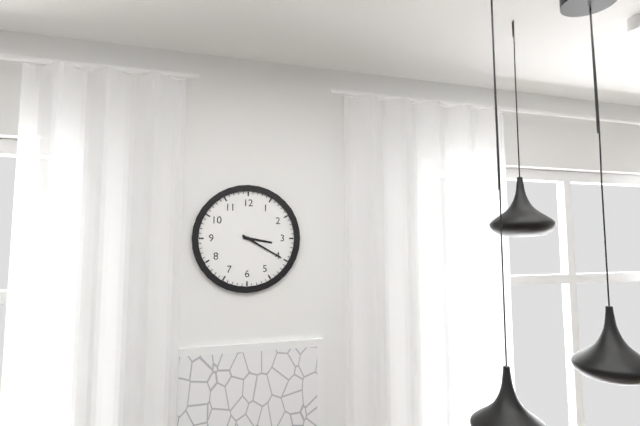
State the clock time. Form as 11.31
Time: 3.20
